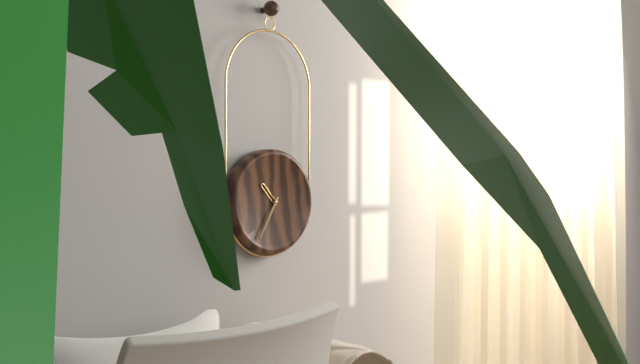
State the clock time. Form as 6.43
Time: 10.35
